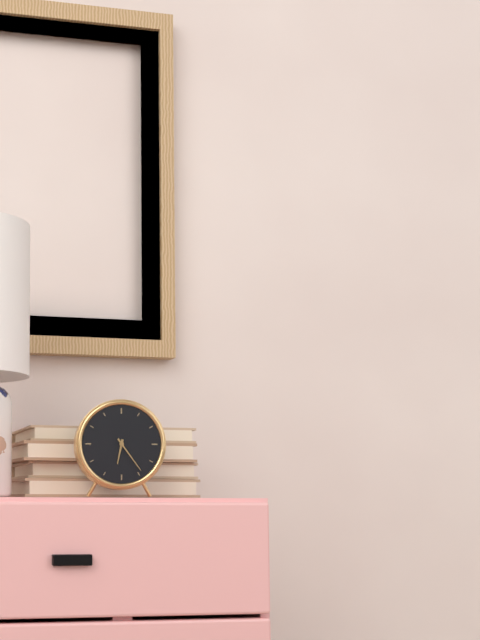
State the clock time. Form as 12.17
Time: 6.24
